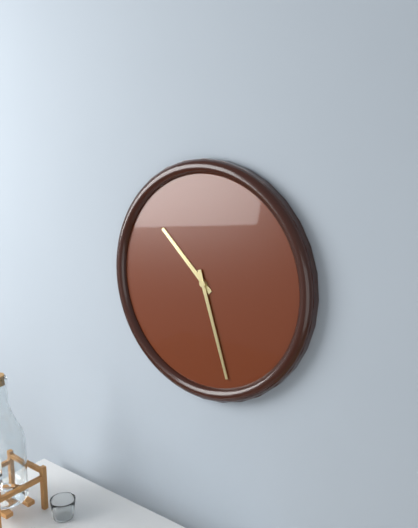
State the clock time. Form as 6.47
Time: 10.27
